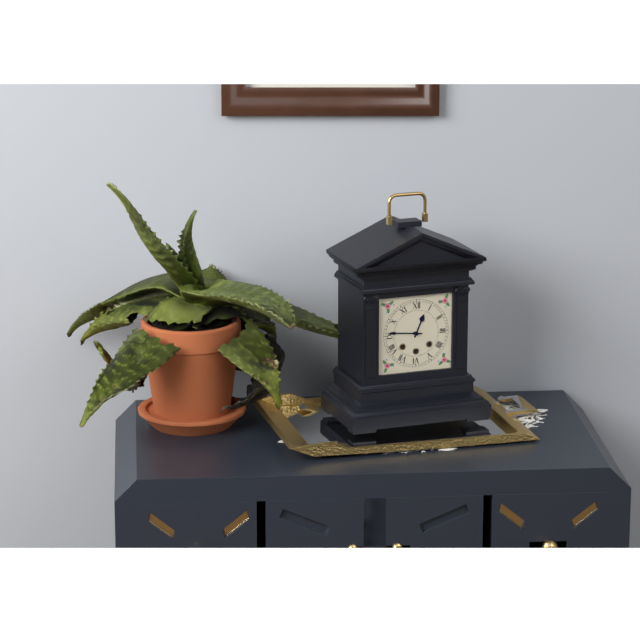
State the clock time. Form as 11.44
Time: 12.46
